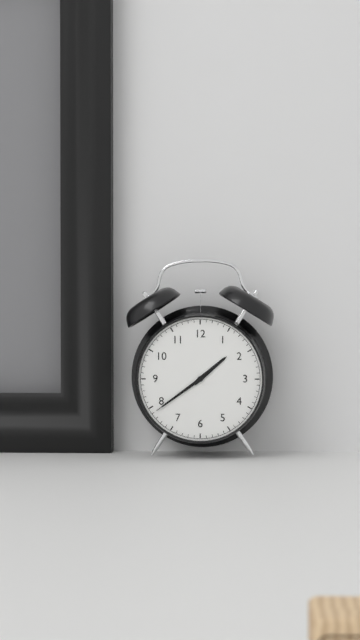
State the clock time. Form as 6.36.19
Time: 1.39.39
